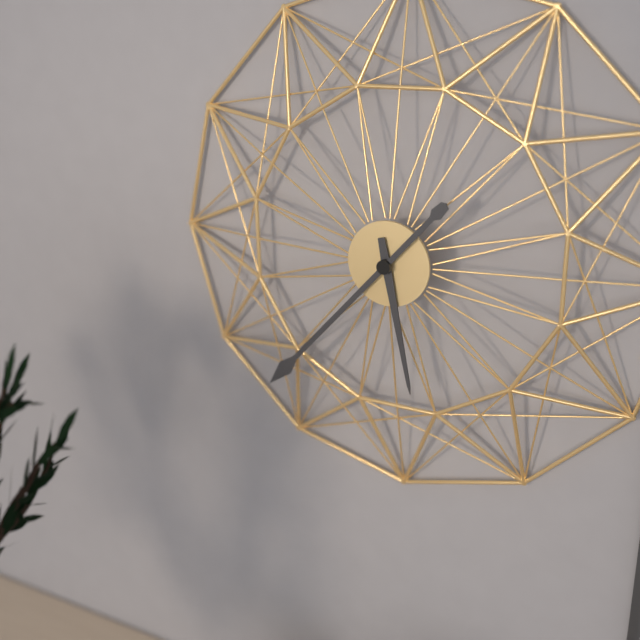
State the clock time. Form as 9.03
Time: 5.37
